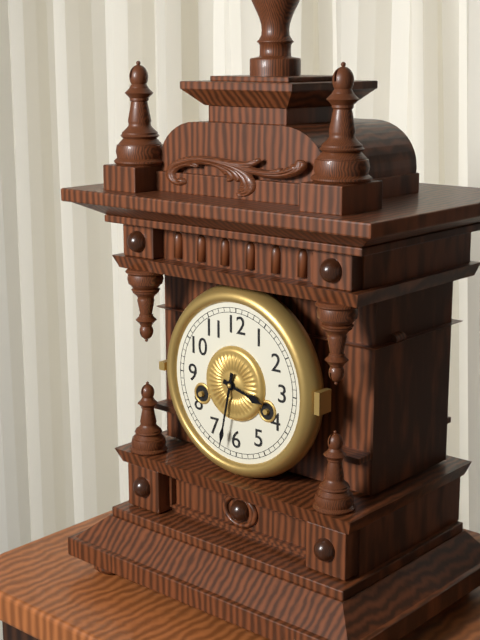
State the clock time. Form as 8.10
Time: 3.32
